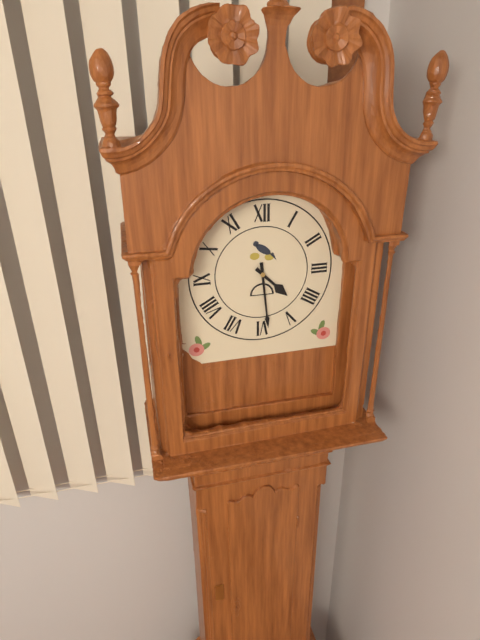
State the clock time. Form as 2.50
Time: 4.29
